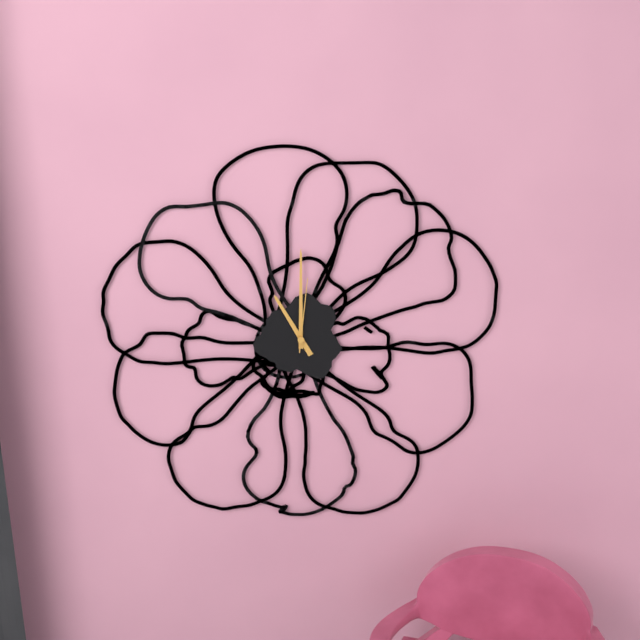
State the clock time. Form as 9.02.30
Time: 11.00.01
